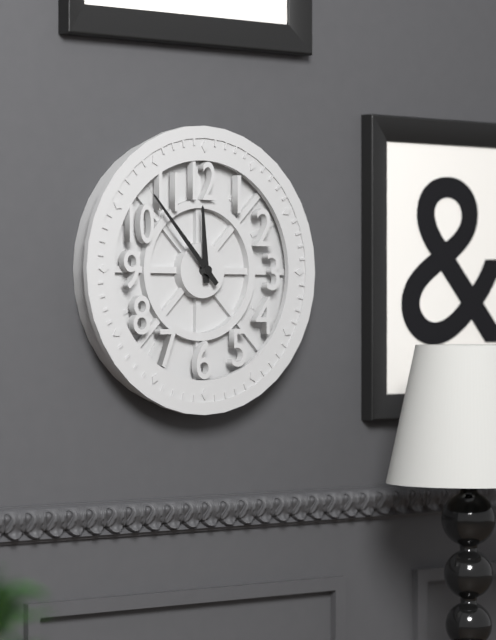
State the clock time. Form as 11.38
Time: 11.53
